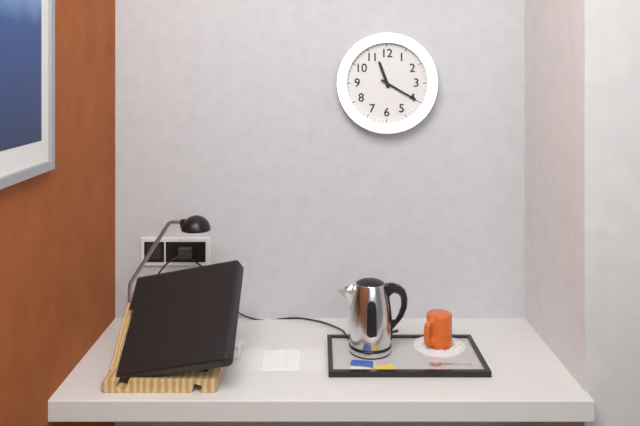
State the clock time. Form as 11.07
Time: 11.20
